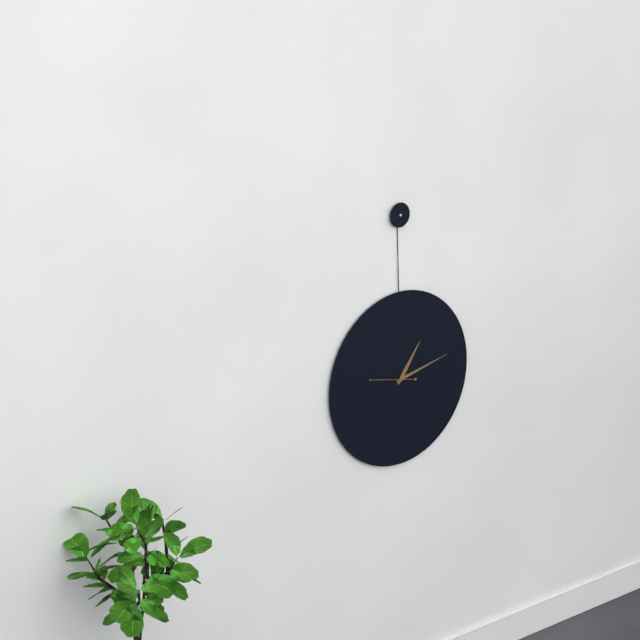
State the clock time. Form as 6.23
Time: 1.13
